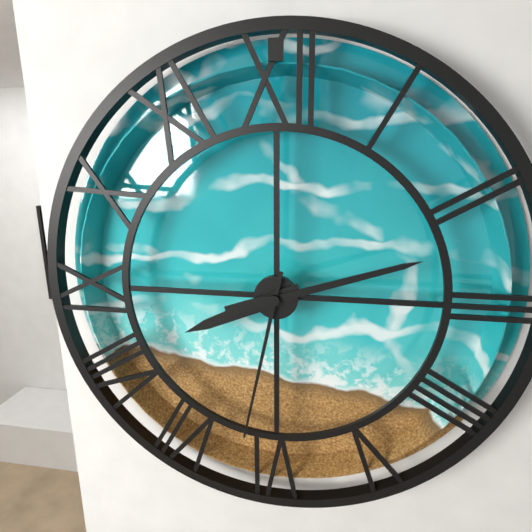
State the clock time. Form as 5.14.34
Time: 8.12.32
